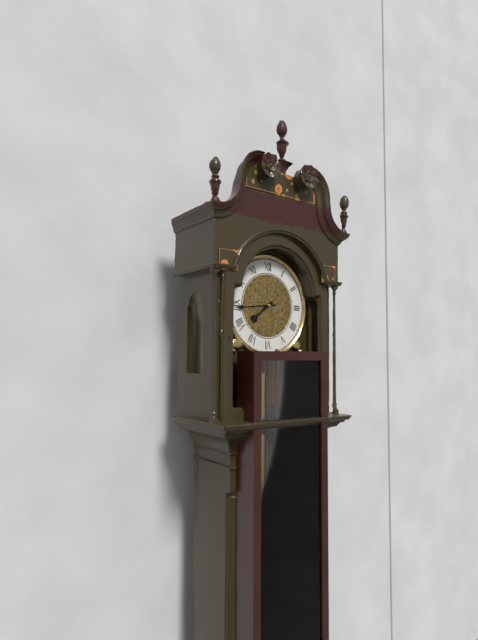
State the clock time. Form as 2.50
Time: 7.44
